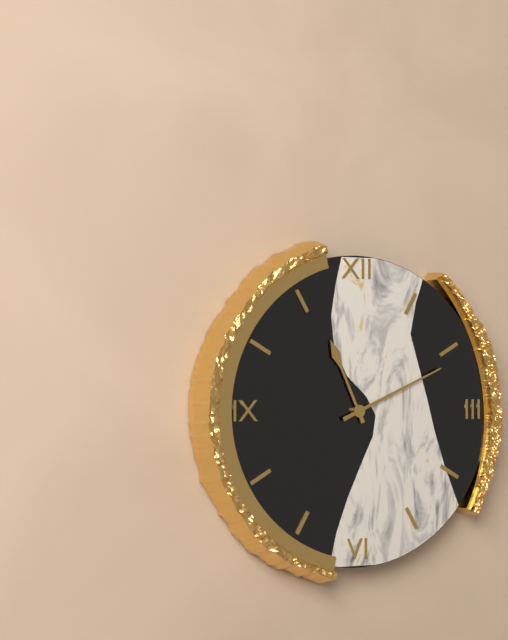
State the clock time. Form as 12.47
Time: 11.11
